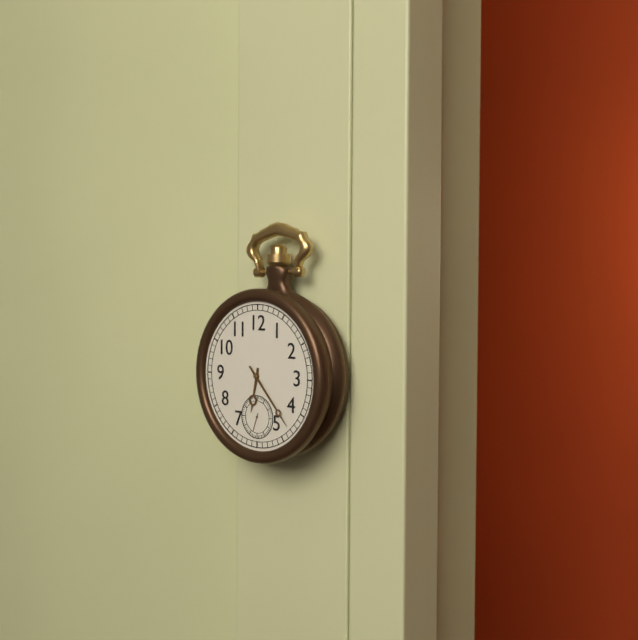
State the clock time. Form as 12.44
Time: 6.23
